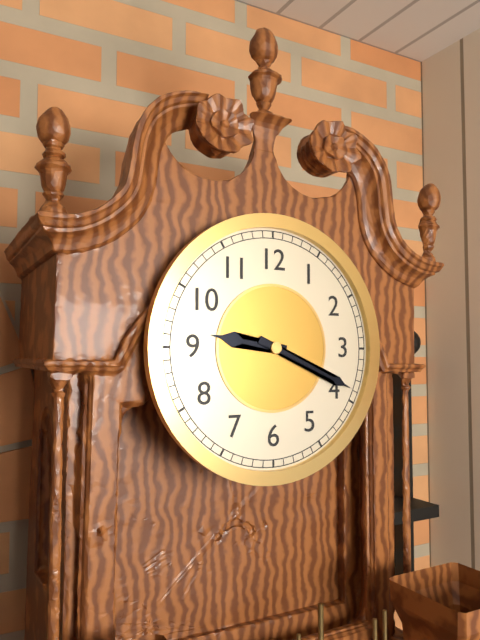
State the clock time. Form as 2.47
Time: 9.19
